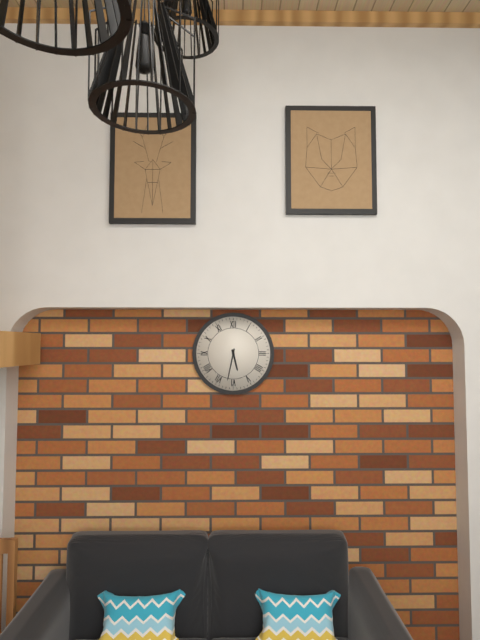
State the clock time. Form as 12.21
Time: 5.32
